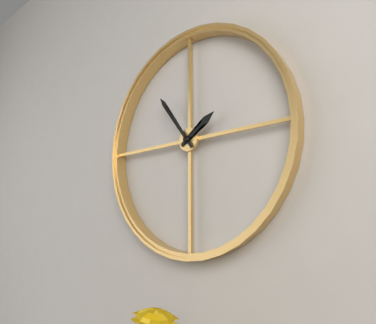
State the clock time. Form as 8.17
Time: 1.54
